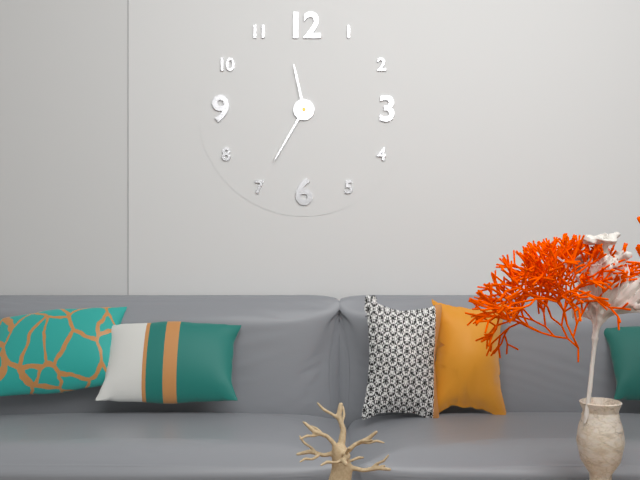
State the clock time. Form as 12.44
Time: 11.35
